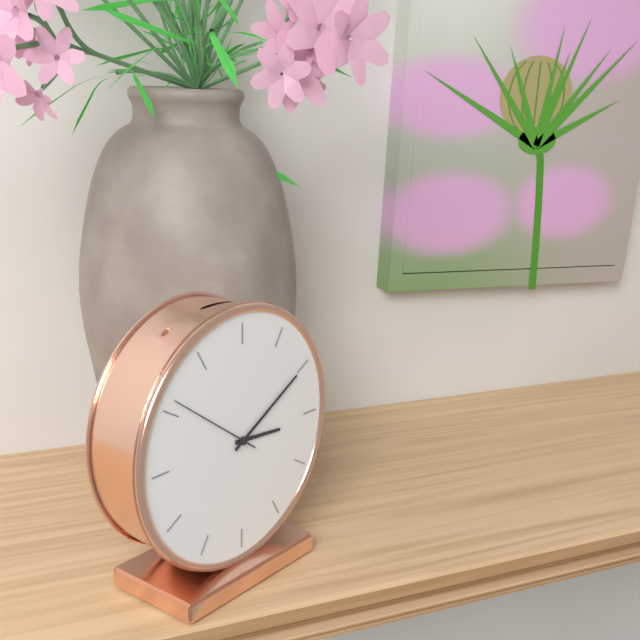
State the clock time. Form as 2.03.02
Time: 3.10.51
